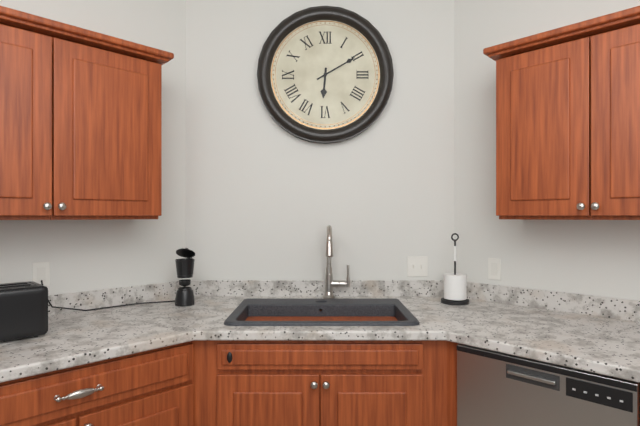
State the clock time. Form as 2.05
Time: 6.10
